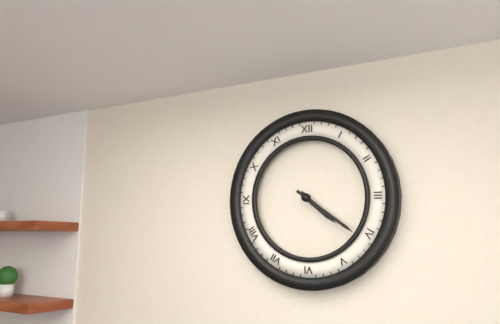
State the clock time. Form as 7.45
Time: 4.21
